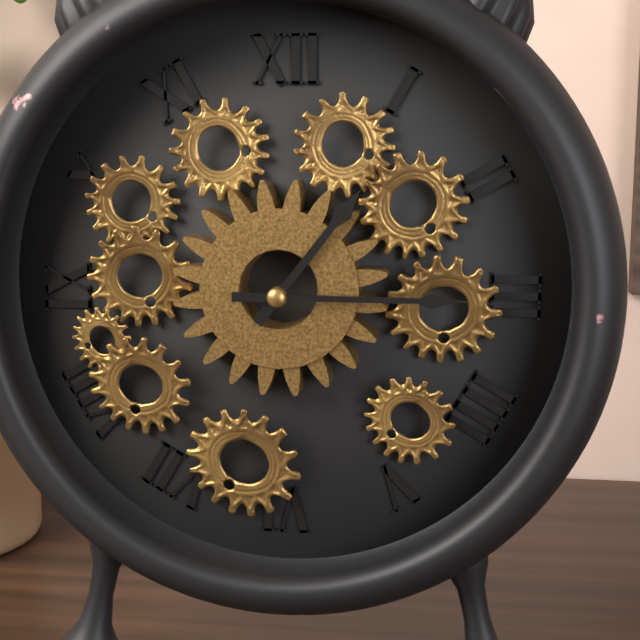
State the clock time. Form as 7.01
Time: 1.15
